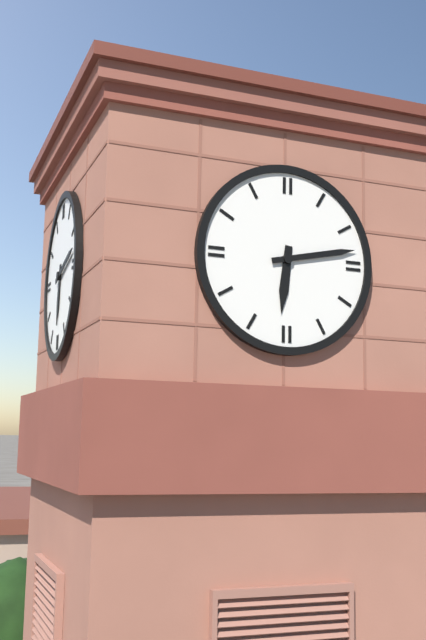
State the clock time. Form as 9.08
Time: 6.13
